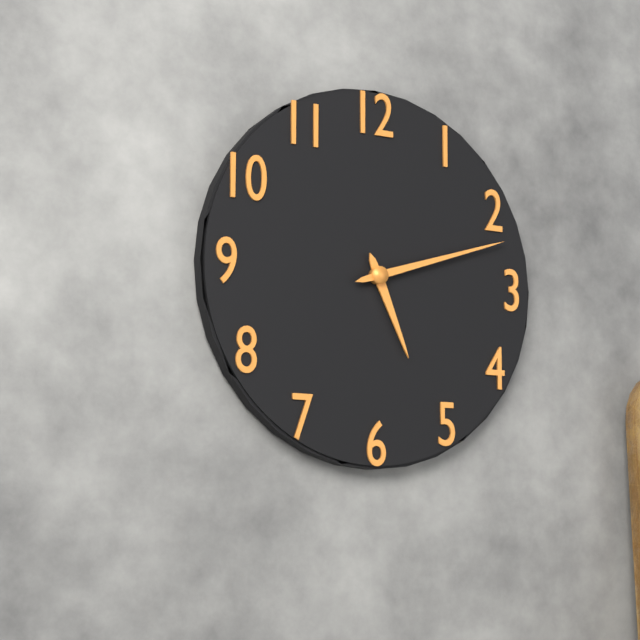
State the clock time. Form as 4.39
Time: 5.12
